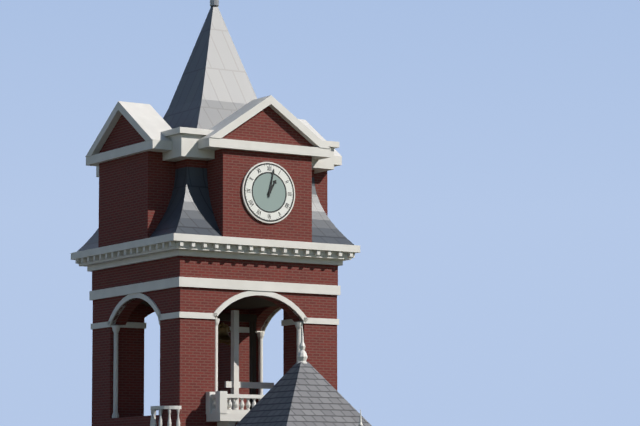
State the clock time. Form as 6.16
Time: 1.02
